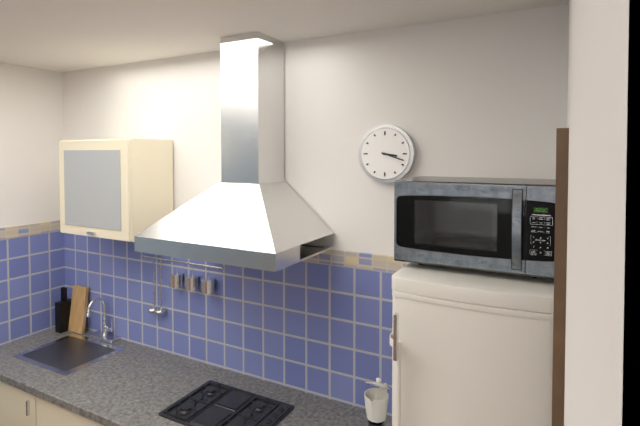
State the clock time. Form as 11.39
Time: 3.18
